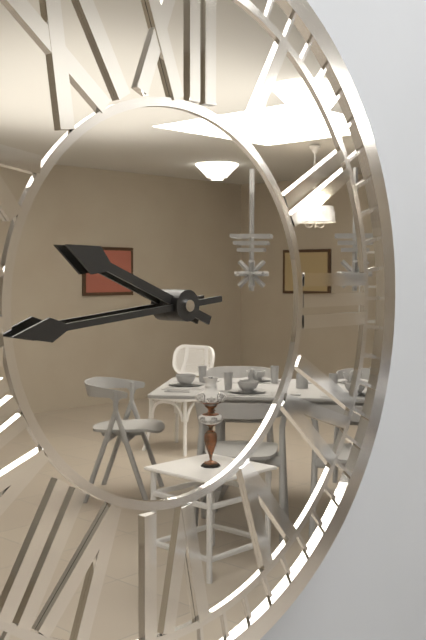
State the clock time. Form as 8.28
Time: 9.44
